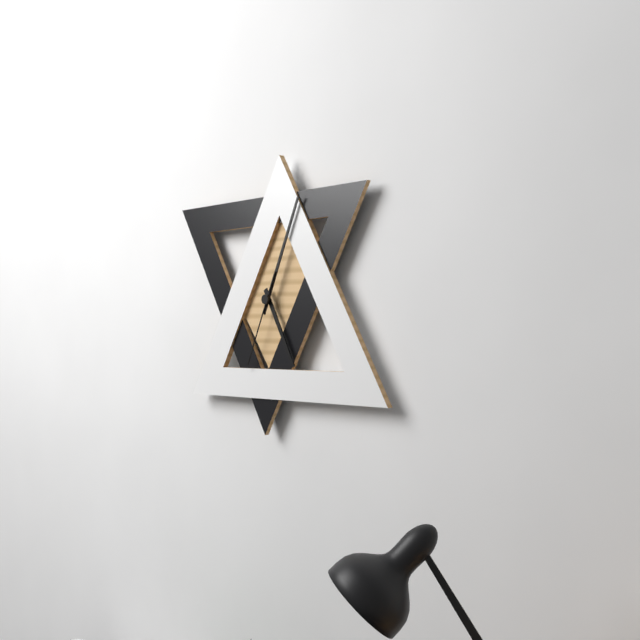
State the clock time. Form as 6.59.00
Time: 5.04.34
